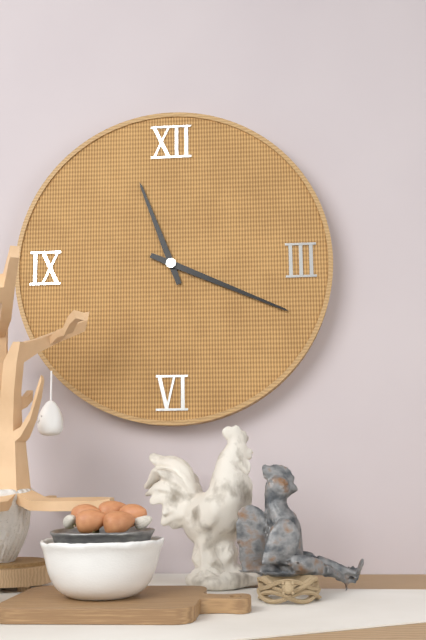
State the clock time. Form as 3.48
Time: 11.19
